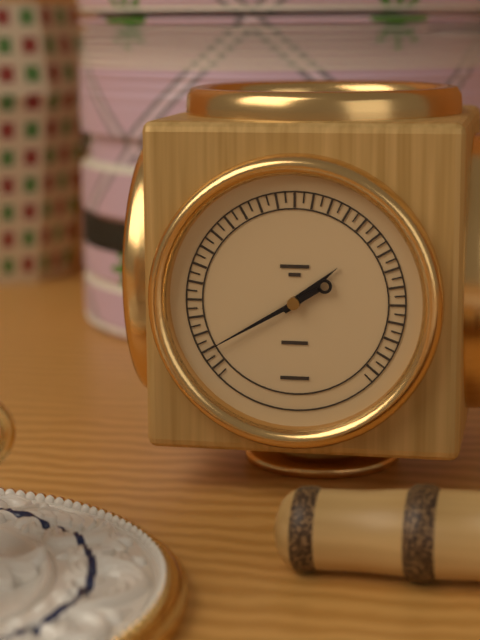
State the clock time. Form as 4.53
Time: 1.40
